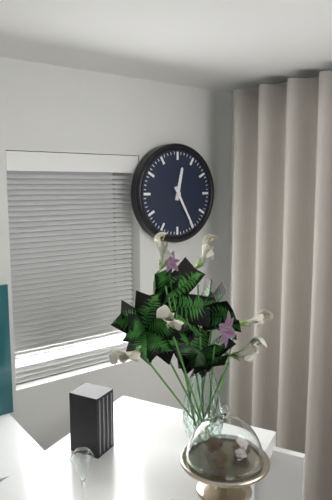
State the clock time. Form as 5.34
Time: 12.25
